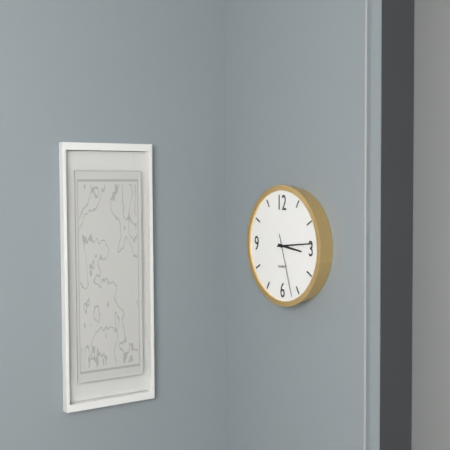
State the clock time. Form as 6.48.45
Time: 3.14.27
